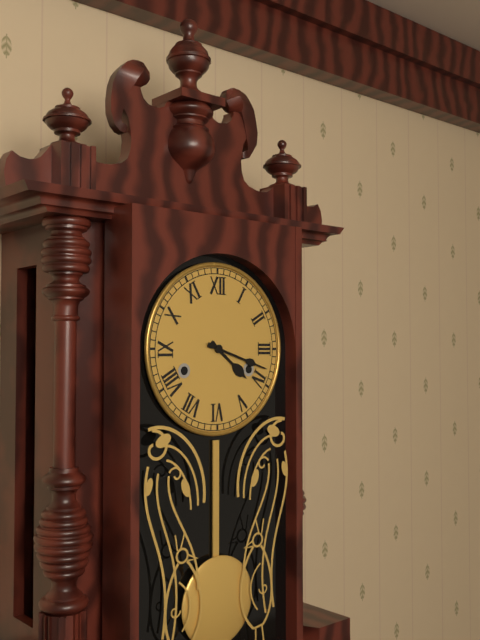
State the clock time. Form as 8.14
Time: 4.18
